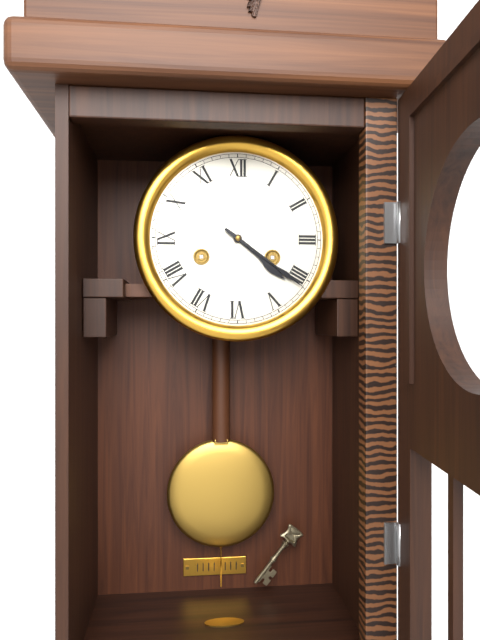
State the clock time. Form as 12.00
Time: 4.21
